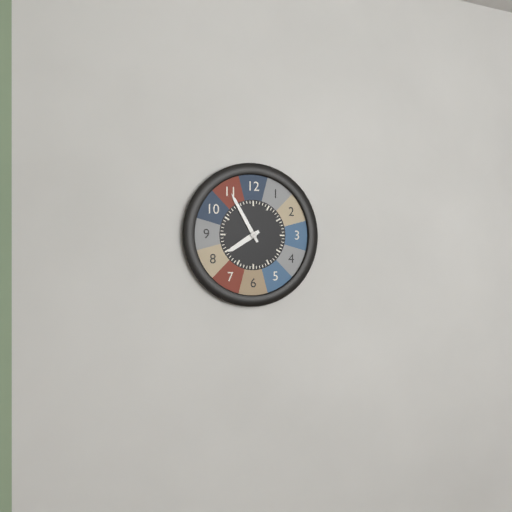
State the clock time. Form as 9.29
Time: 7.55
